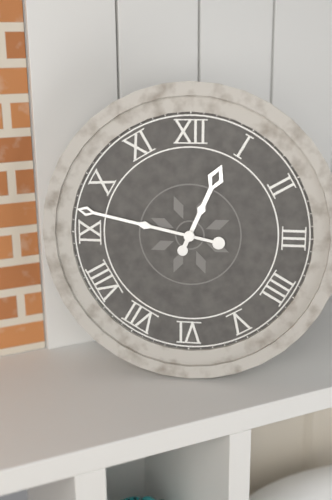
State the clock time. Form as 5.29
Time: 12.47
